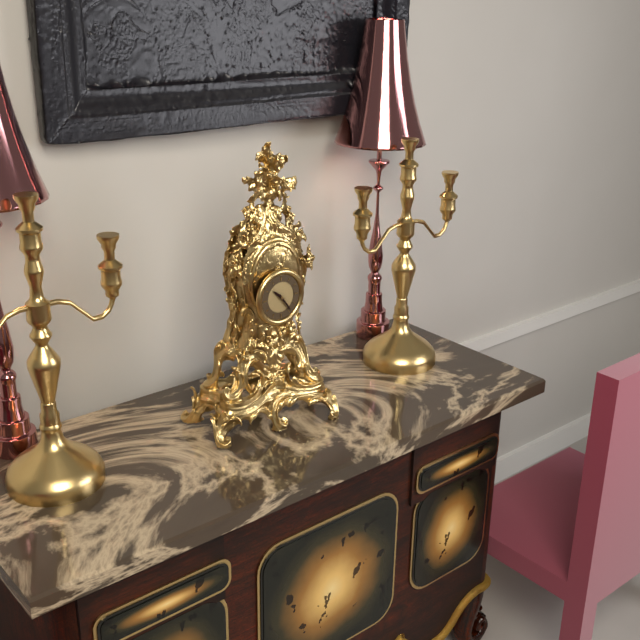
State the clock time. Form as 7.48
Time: 10.24
